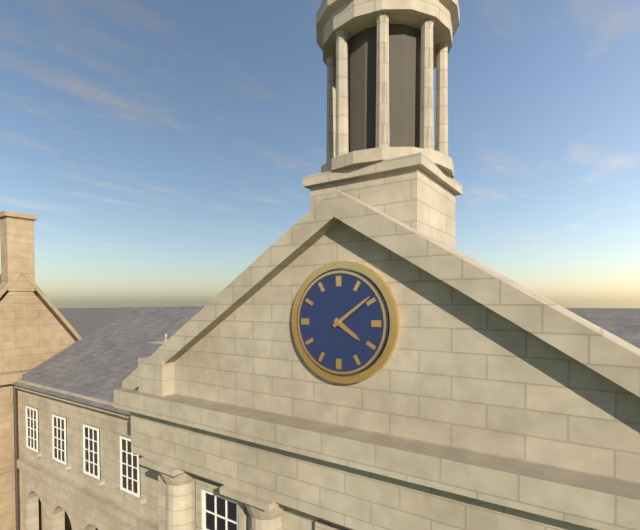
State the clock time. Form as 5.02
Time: 4.09
